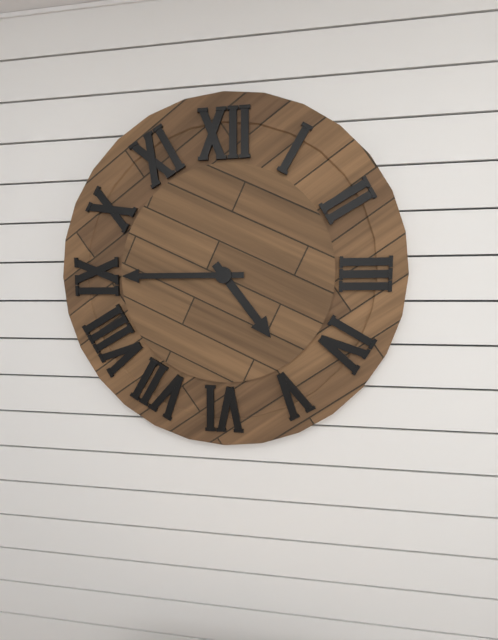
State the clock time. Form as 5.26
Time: 4.45
